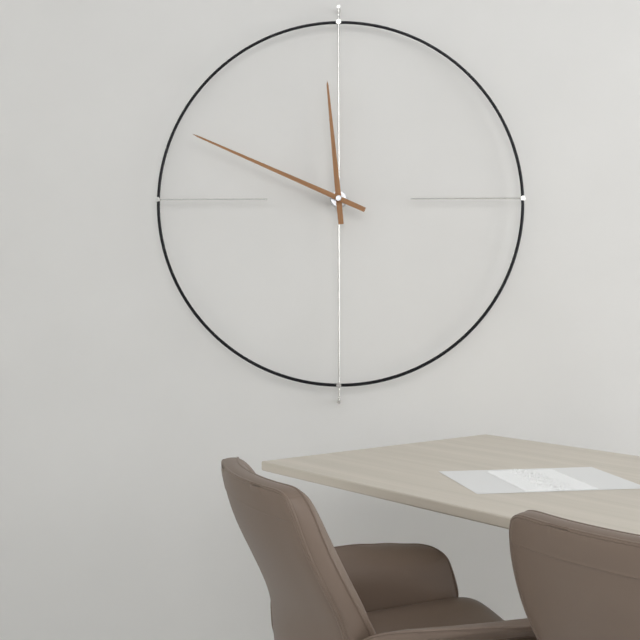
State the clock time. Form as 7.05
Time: 11.49
